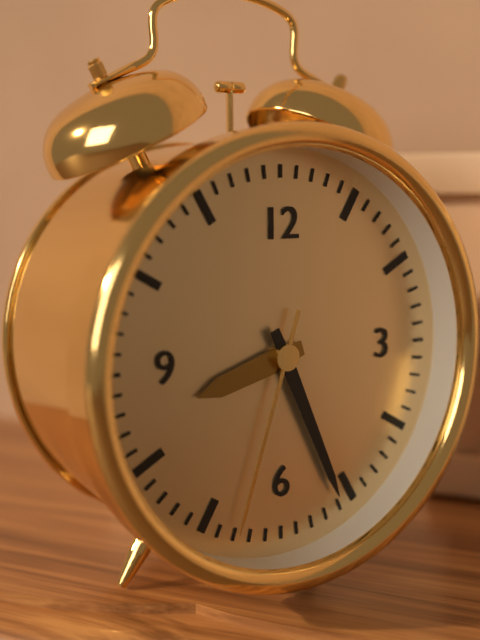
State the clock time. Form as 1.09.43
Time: 8.26.33
